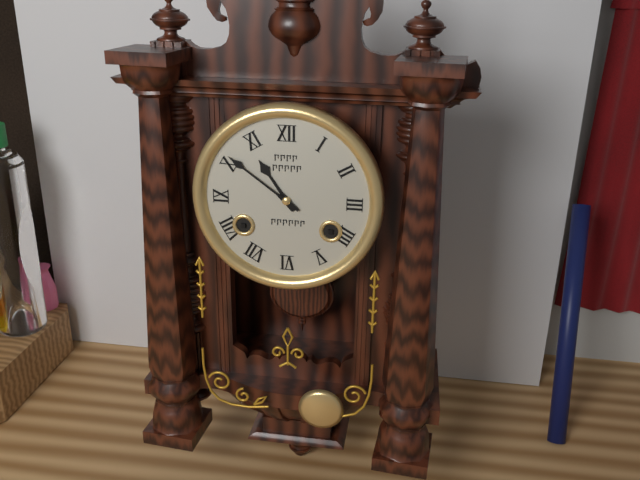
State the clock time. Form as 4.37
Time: 10.51
